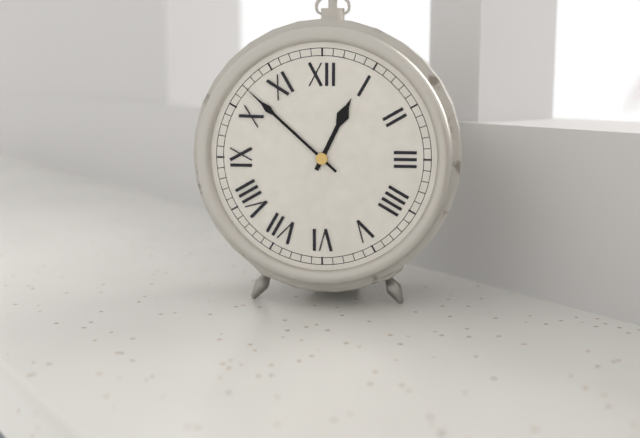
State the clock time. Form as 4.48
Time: 12.52
